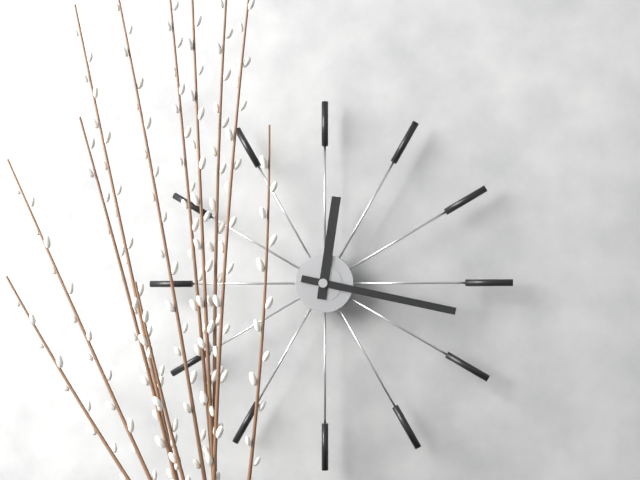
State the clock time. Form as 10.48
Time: 12.17
